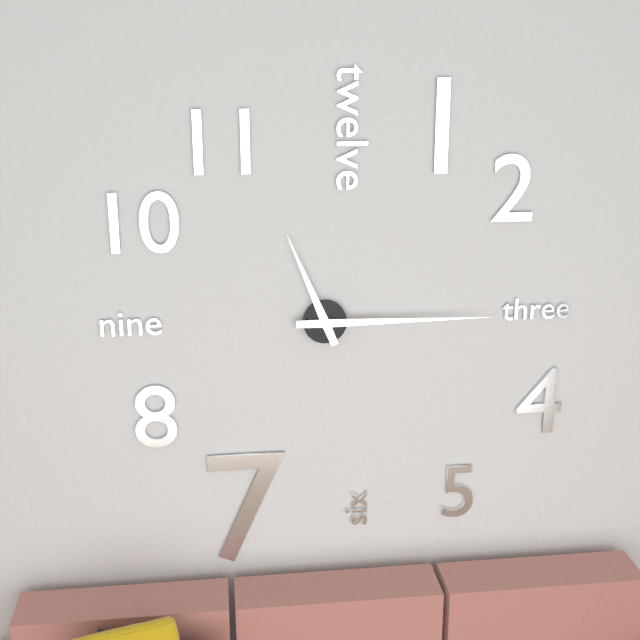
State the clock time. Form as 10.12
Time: 11.15
